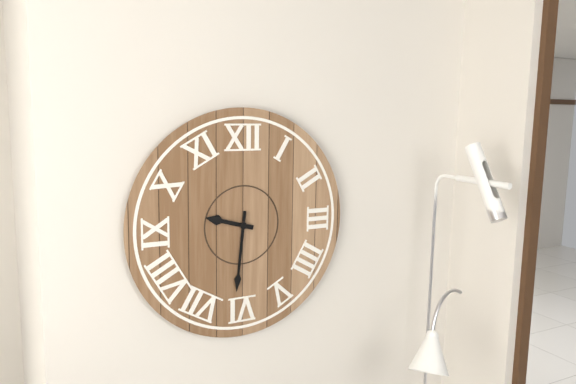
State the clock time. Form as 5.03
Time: 9.31
